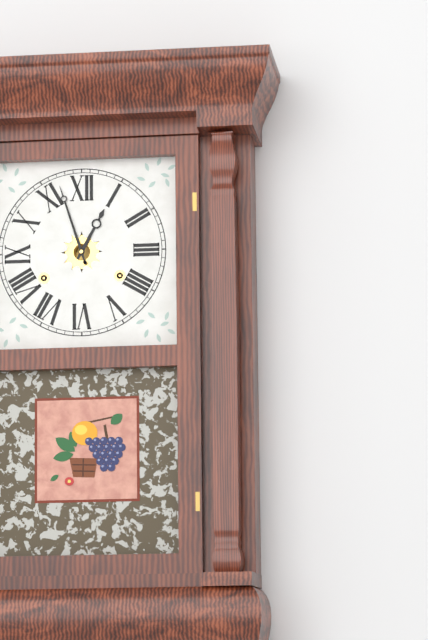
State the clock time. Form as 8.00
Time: 12.57
